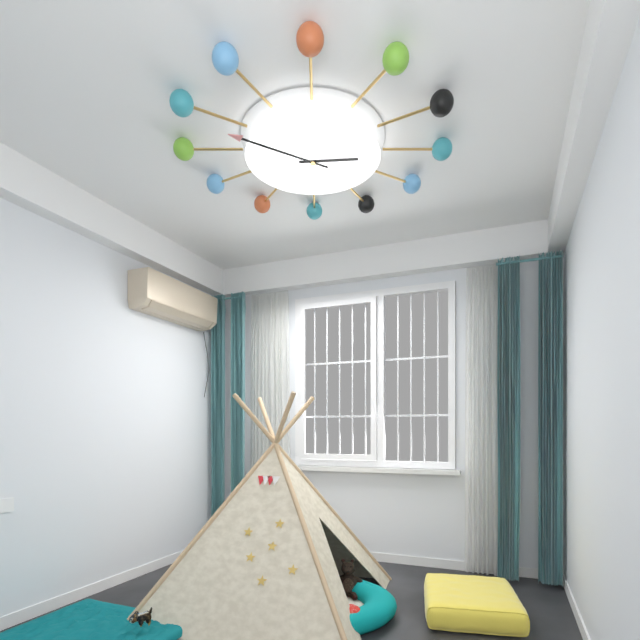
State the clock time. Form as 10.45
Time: 2.50
